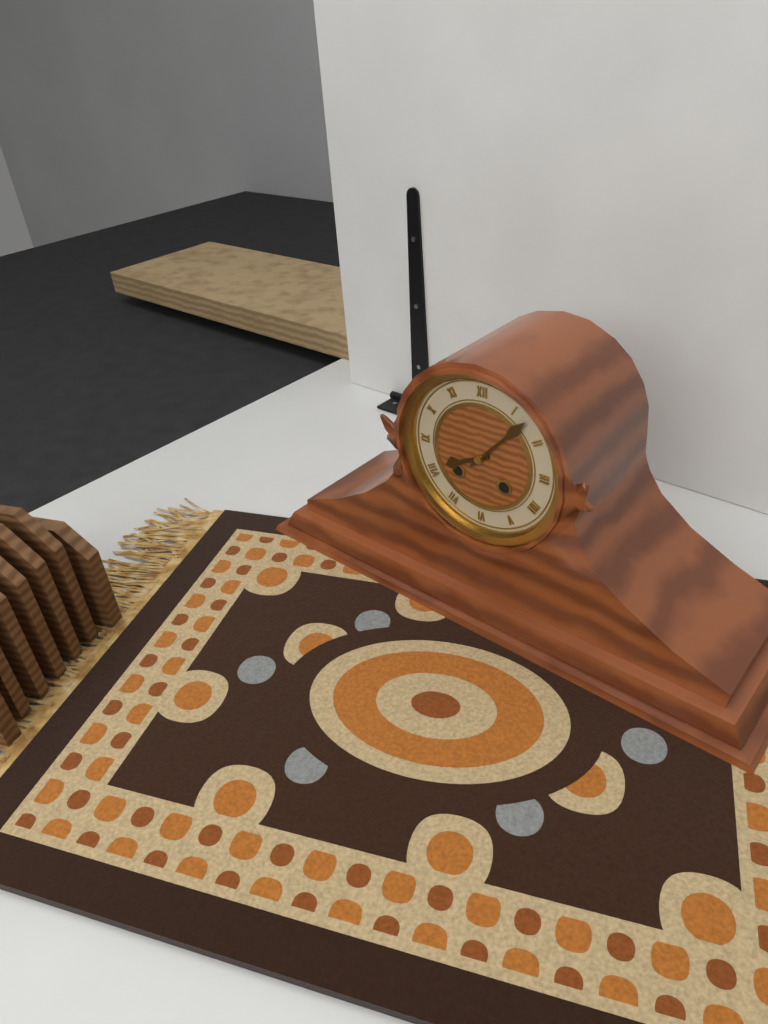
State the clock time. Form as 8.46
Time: 8.07
